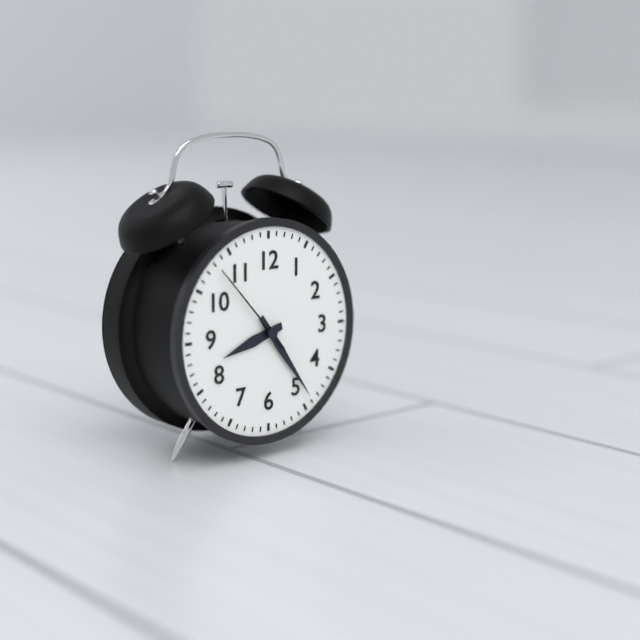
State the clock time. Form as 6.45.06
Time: 8.24.53
